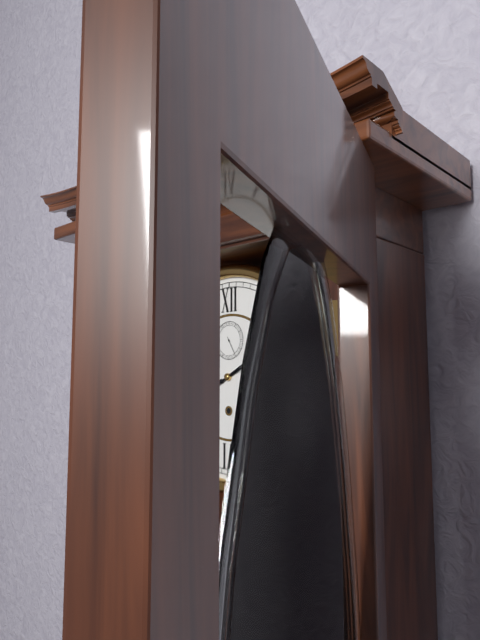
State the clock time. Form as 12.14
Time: 2.10
